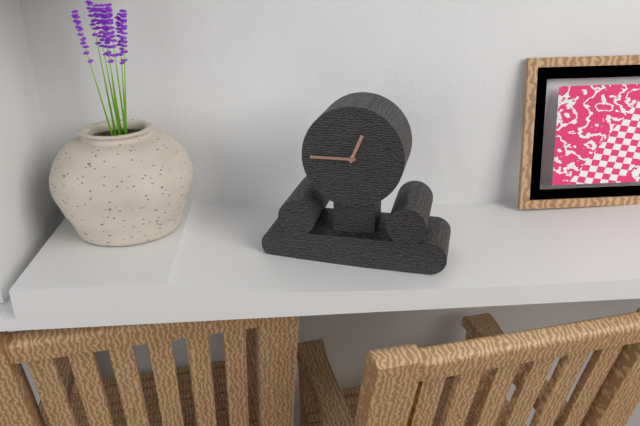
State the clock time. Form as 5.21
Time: 12.45
